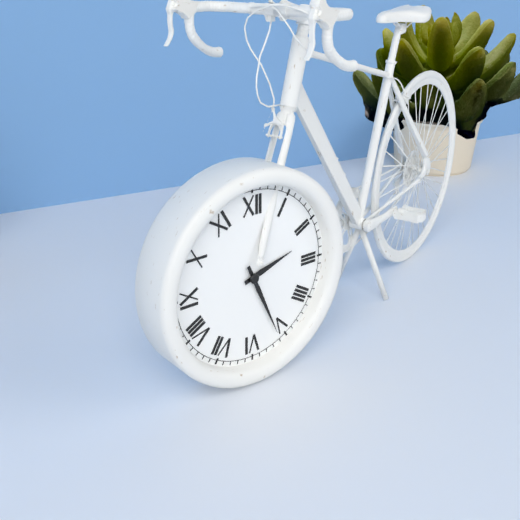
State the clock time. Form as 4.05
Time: 2.26
